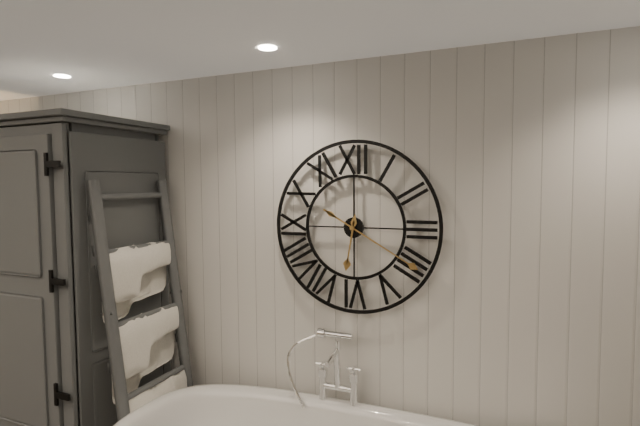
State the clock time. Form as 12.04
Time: 6.20
